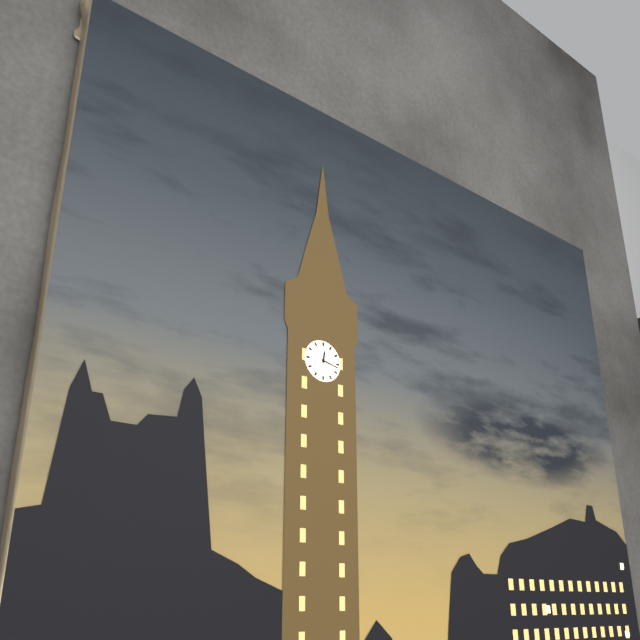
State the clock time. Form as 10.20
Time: 12.17
